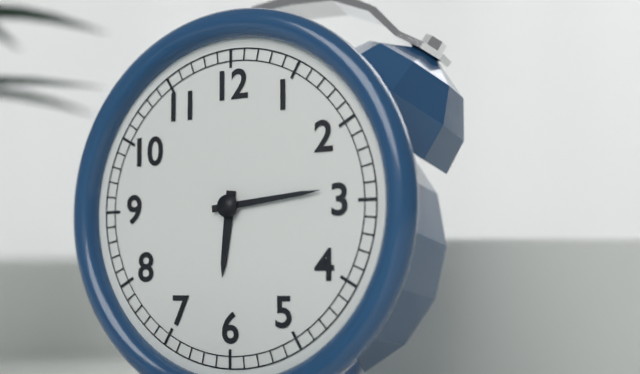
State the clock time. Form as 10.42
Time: 6.14
